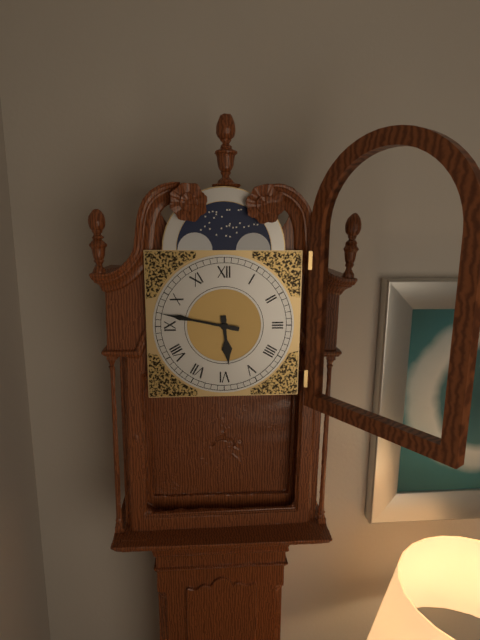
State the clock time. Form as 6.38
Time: 5.47
